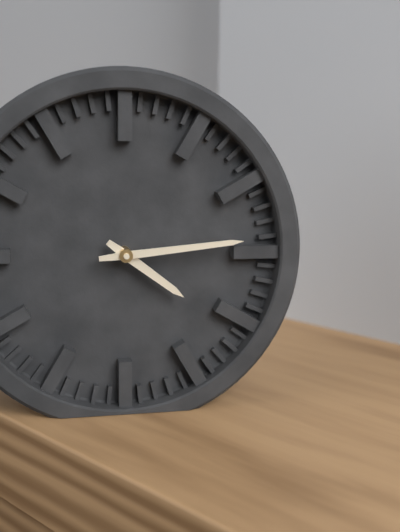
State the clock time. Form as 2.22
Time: 4.14
